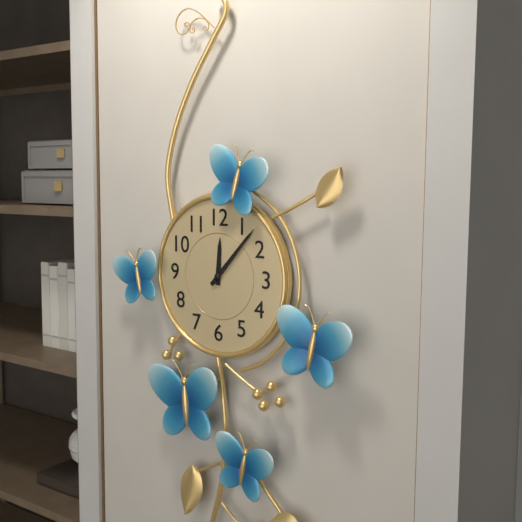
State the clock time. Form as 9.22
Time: 12.07
